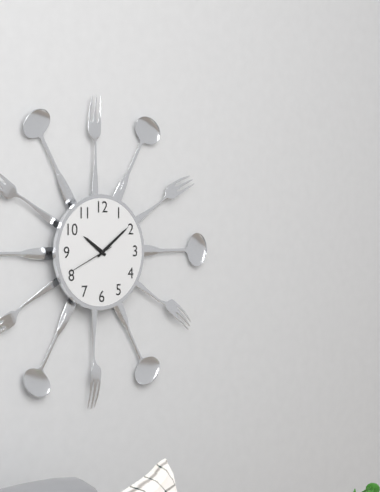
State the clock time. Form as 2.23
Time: 10.09
